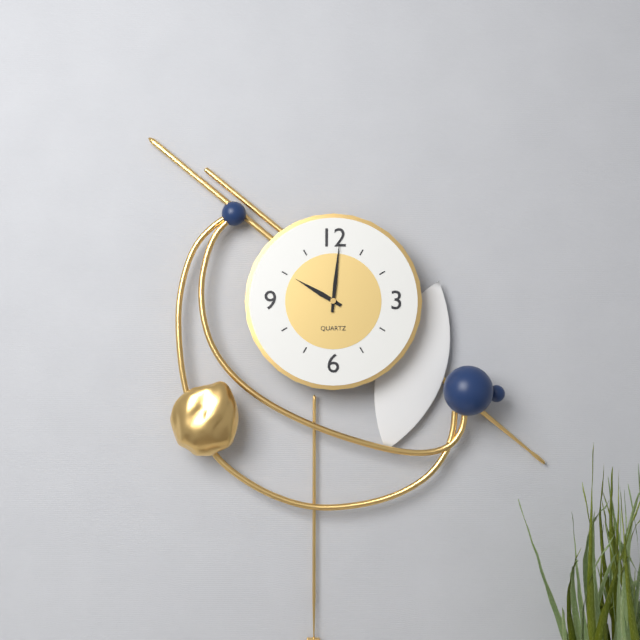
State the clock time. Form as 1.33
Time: 10.01
